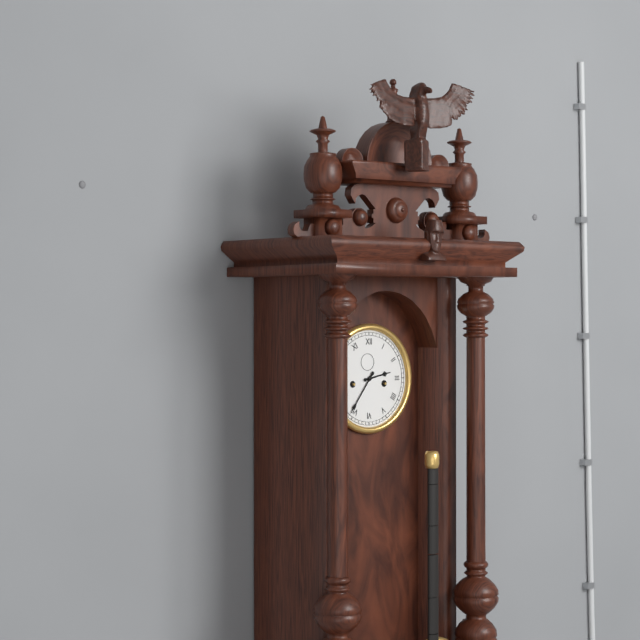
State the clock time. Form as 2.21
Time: 2.36
